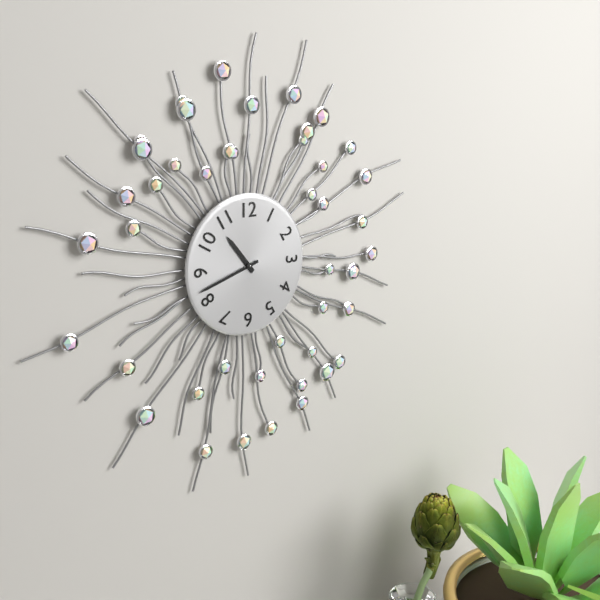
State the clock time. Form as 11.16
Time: 10.42
